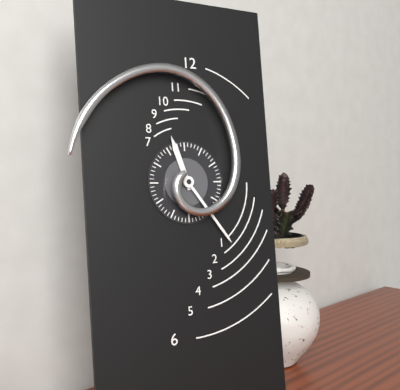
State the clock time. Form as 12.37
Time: 11.24
